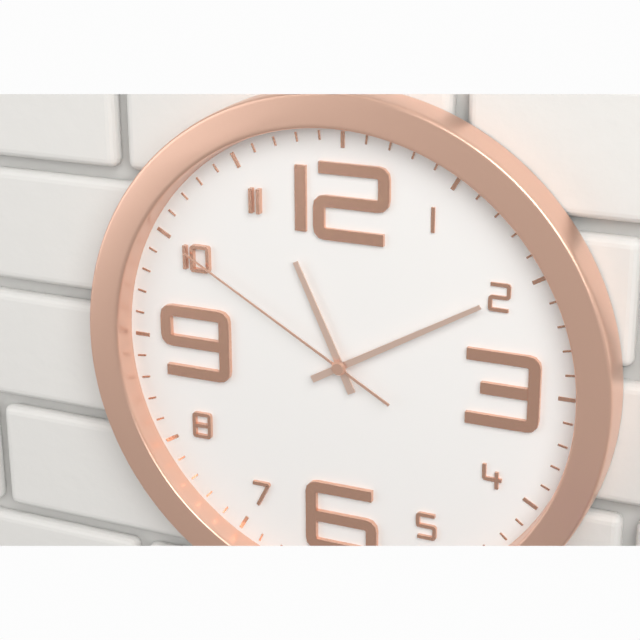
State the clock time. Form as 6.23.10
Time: 11.10.50
